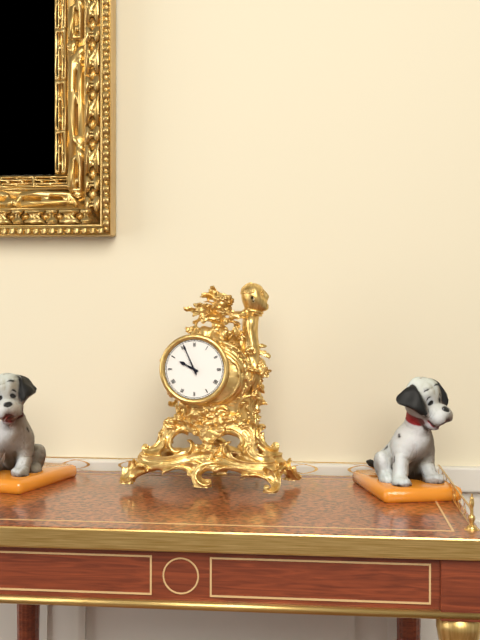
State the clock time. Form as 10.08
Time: 9.56
